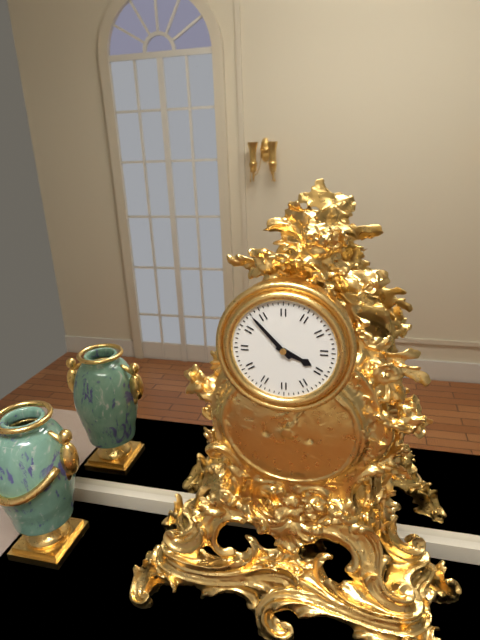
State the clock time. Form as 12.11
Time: 3.53
